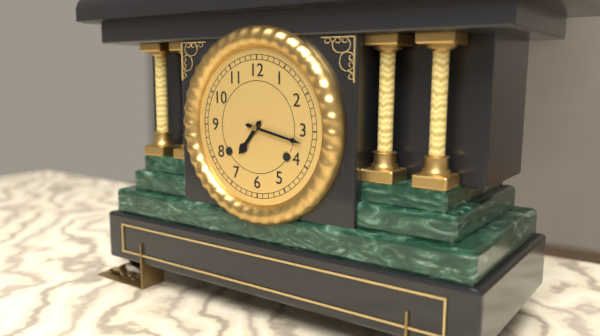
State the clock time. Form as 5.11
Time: 7.17
